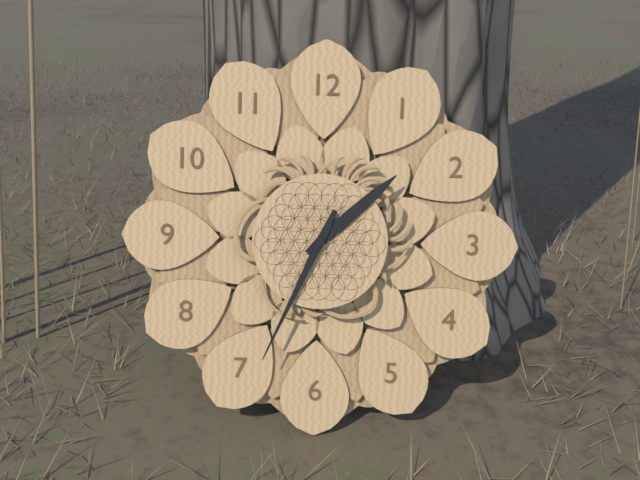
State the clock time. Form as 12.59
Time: 1.34
